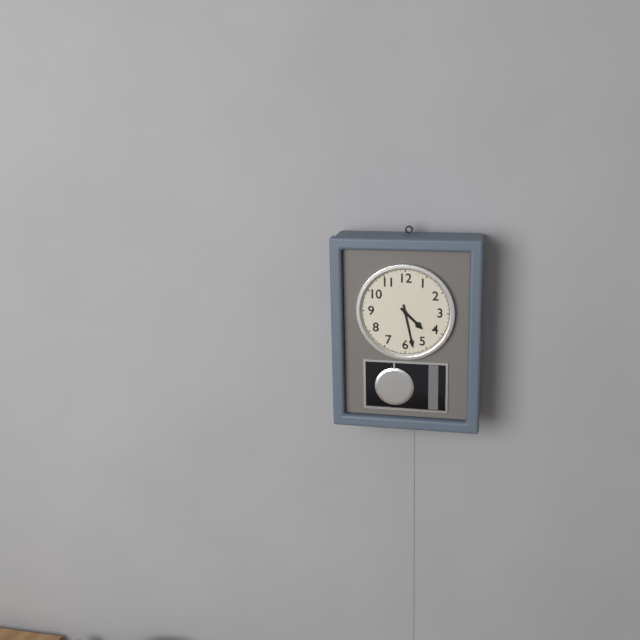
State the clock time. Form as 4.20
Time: 4.28
